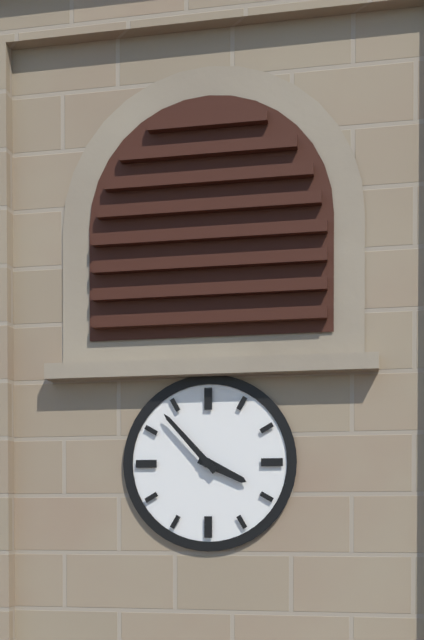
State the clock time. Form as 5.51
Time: 3.53
